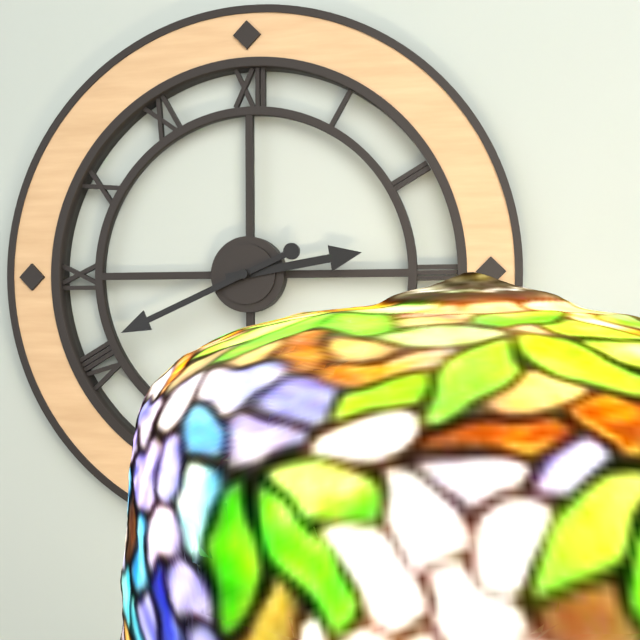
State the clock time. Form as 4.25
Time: 2.41
